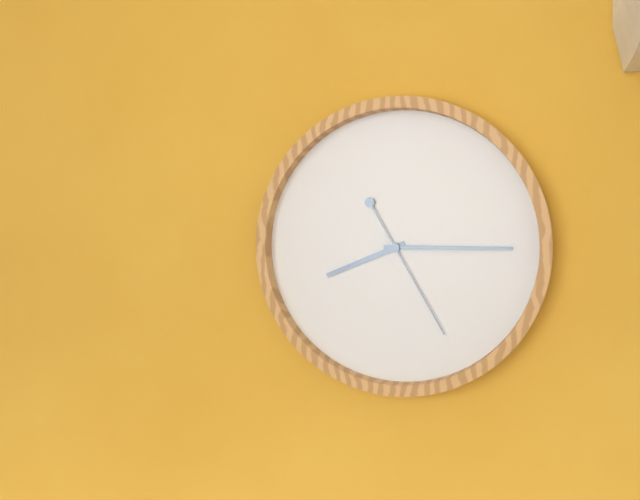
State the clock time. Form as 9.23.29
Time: 8.15.25
